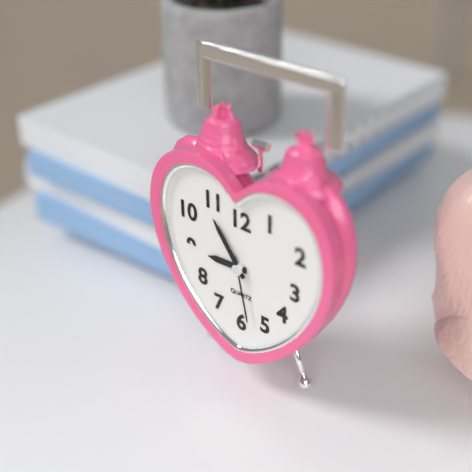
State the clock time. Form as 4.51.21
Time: 8.54.28
